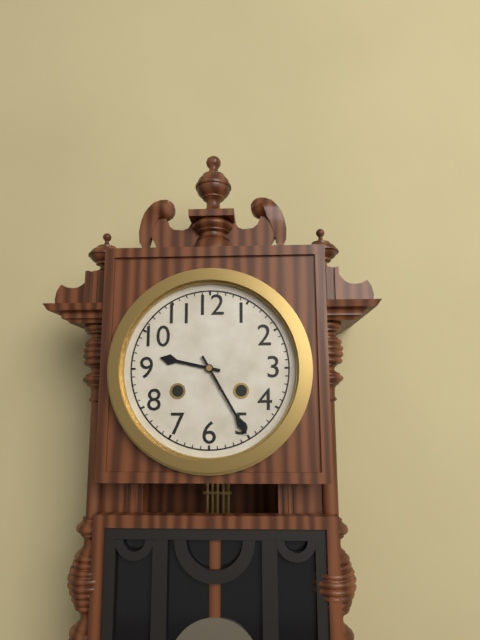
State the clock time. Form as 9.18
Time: 9.25
